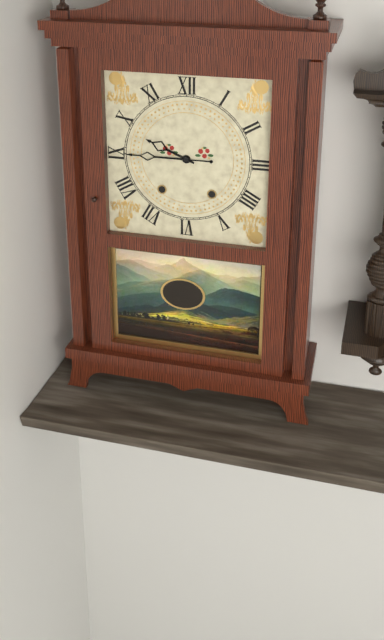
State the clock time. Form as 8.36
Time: 9.45
